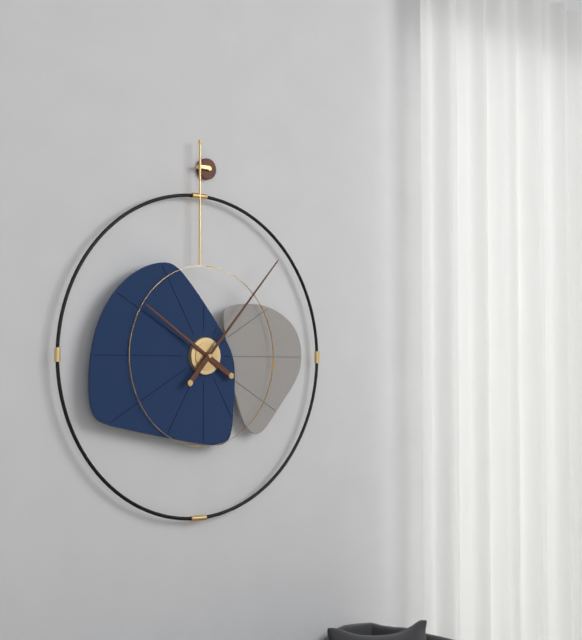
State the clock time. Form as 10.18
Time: 10.07
